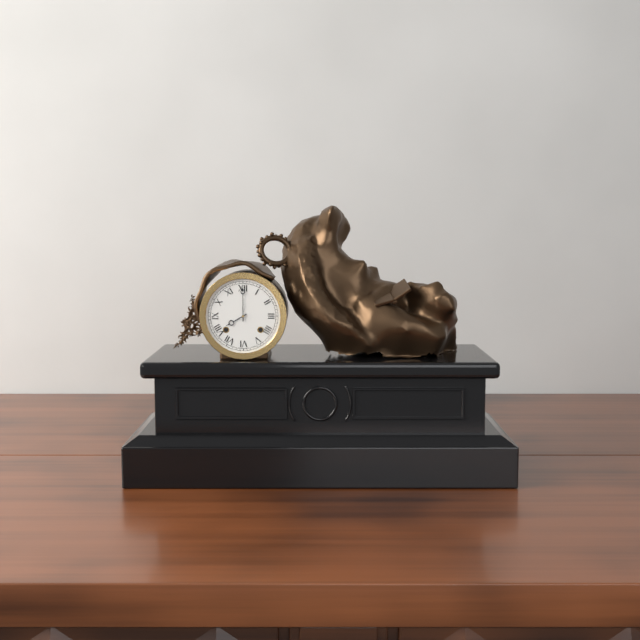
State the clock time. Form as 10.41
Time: 8.00
